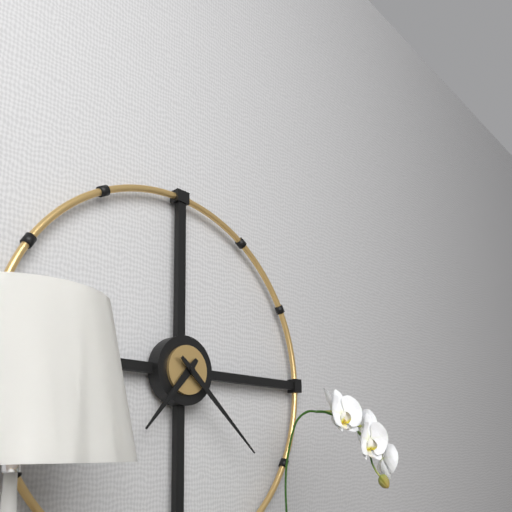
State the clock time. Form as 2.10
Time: 7.22
